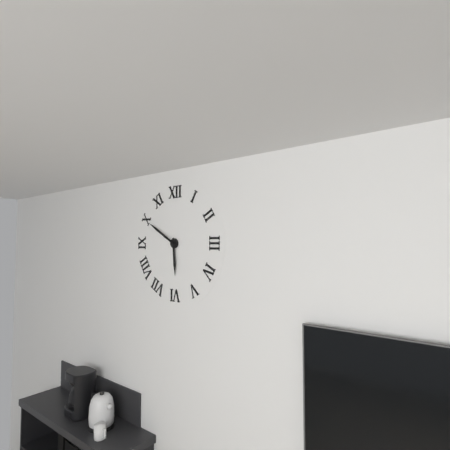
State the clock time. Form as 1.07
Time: 5.50
